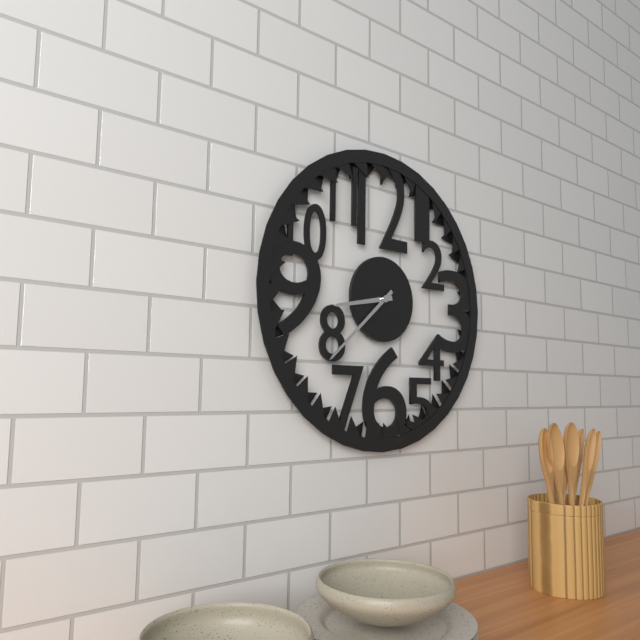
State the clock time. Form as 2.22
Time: 8.38
